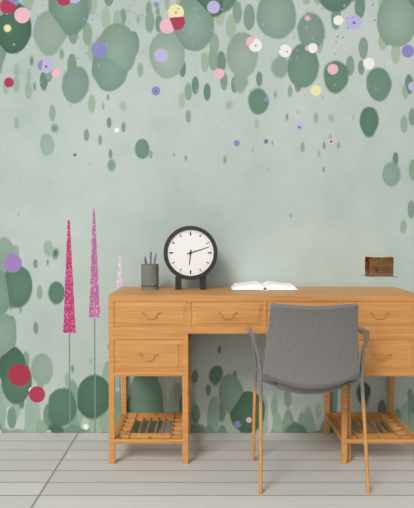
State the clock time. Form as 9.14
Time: 6.12
